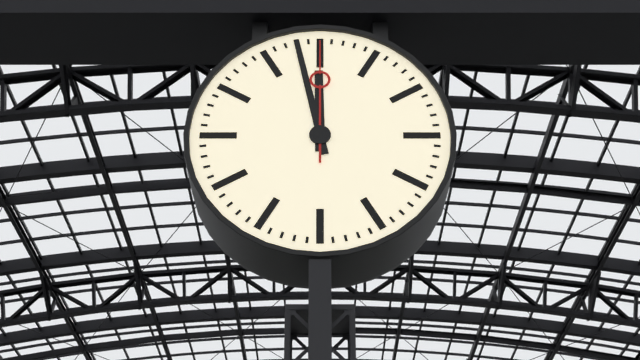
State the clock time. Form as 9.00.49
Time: 11.58.00
